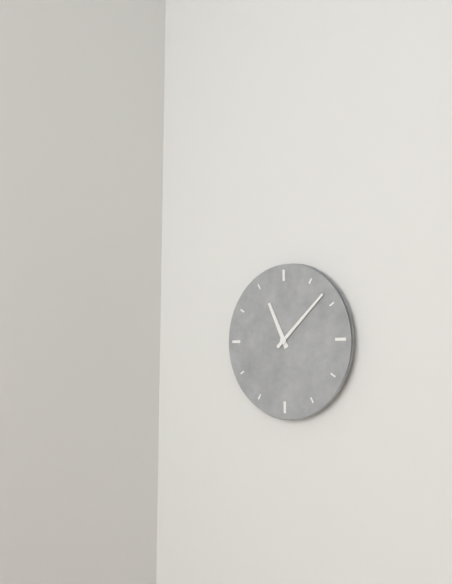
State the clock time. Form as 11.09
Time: 11.08
